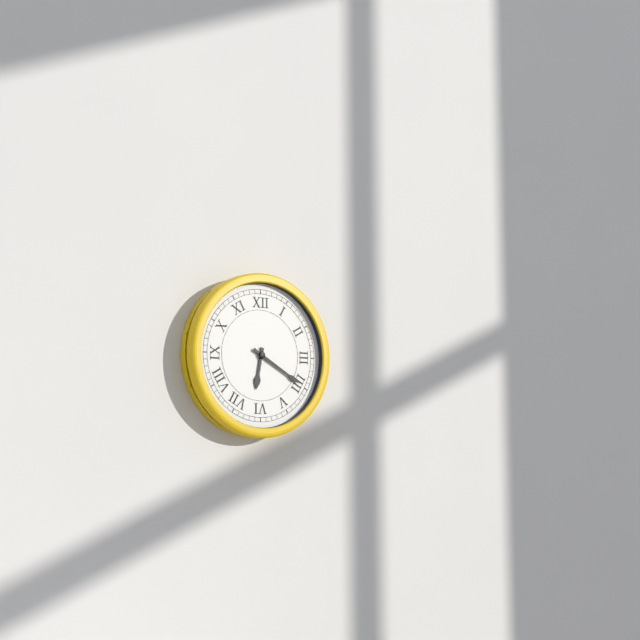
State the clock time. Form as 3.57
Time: 6.20
